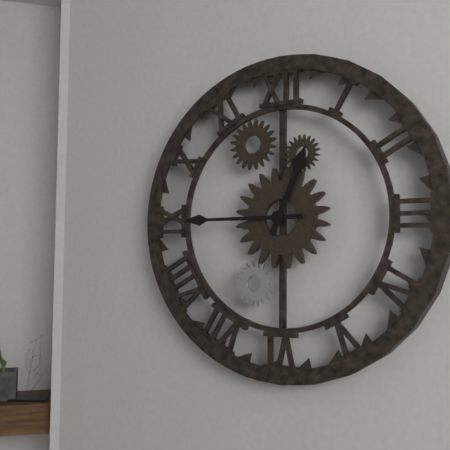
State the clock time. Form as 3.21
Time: 12.45
